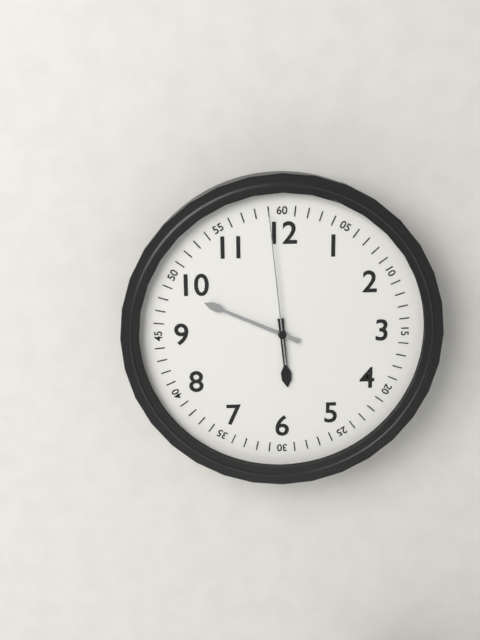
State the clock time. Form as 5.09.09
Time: 5.49.59
